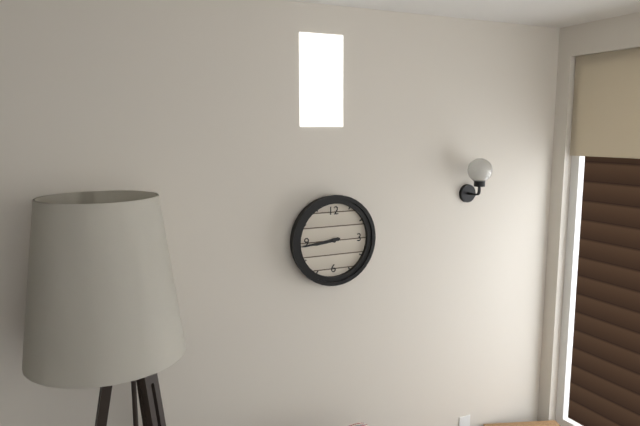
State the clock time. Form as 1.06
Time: 8.44
